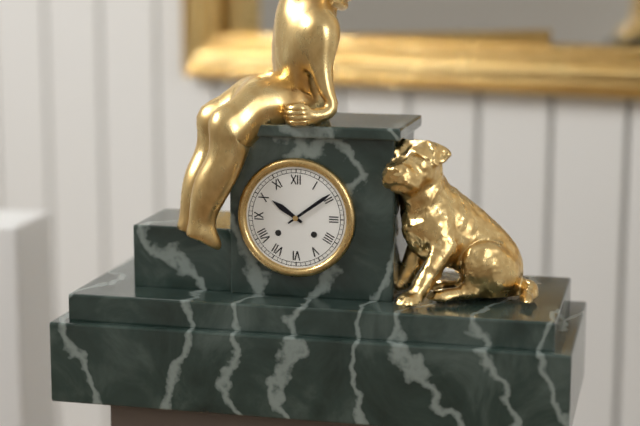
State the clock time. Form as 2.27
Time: 10.09
